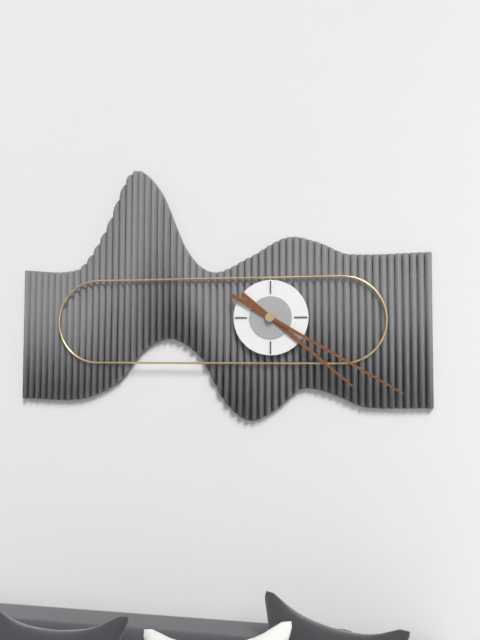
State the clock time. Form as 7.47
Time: 4.20
